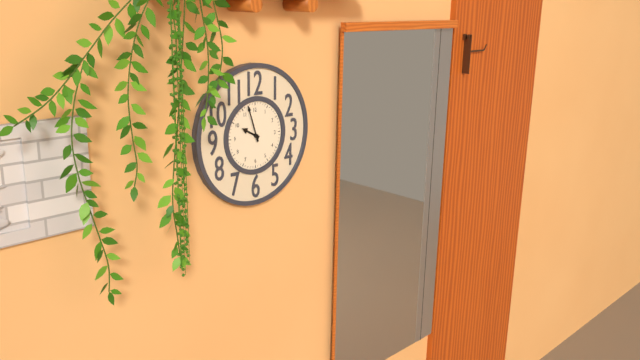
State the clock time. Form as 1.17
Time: 9.57
